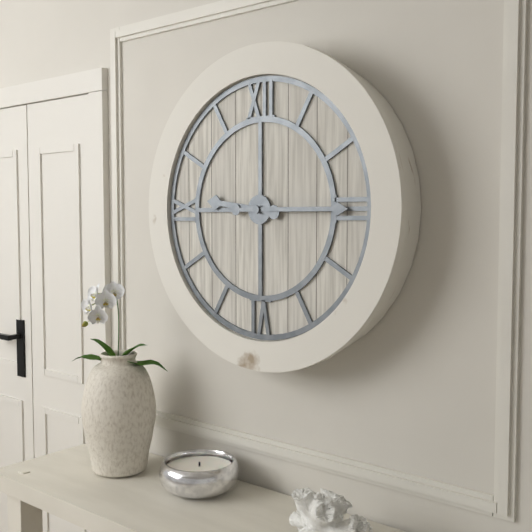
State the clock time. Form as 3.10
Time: 9.15
